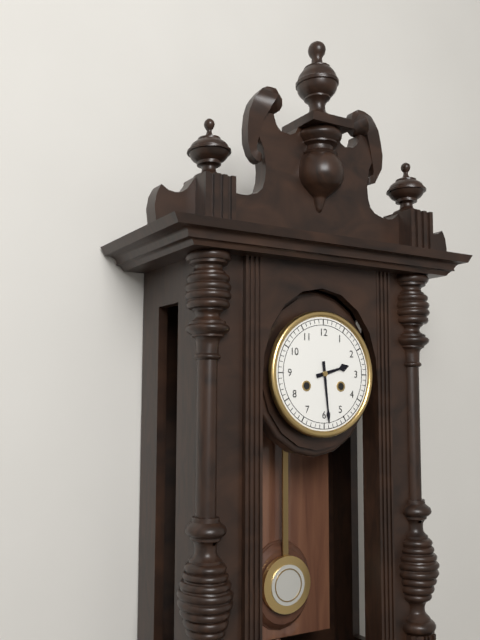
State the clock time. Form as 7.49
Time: 2.29
